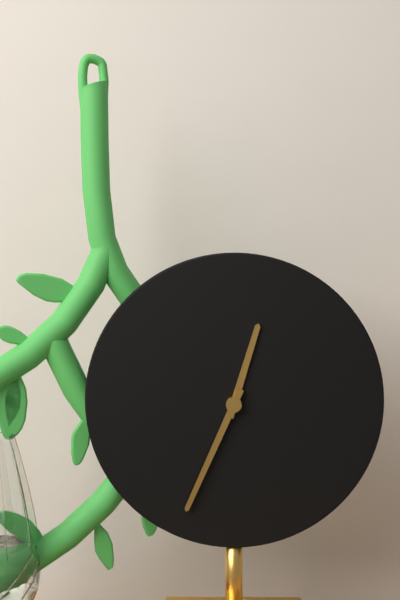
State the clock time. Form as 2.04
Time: 12.34
